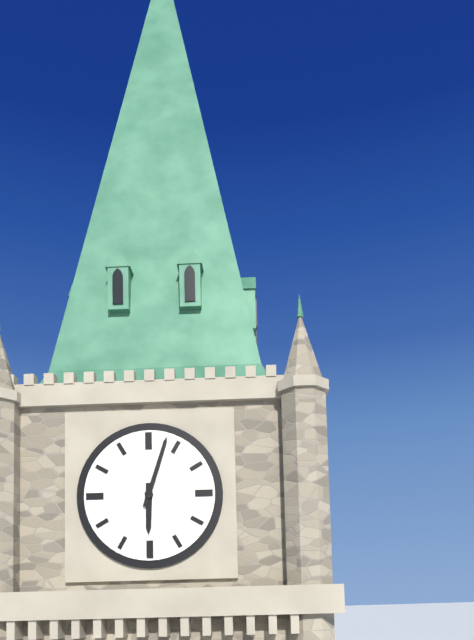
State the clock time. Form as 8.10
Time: 6.03
